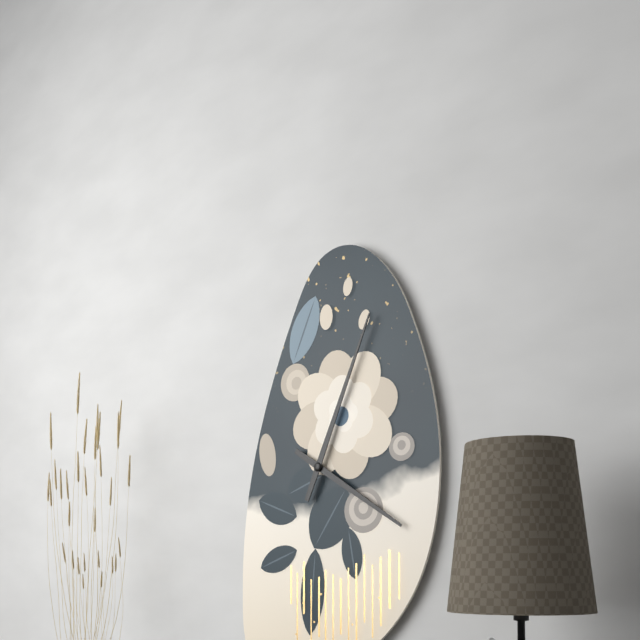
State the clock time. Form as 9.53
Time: 4.04
